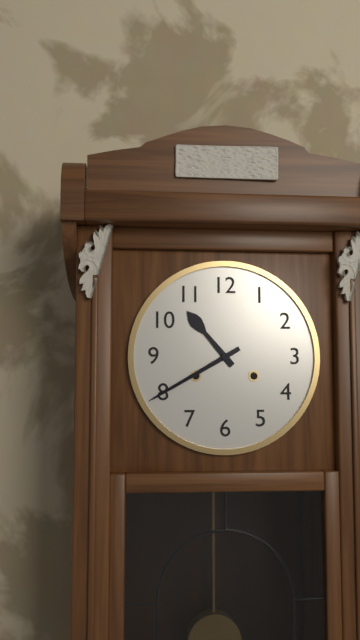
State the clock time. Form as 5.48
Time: 10.40
